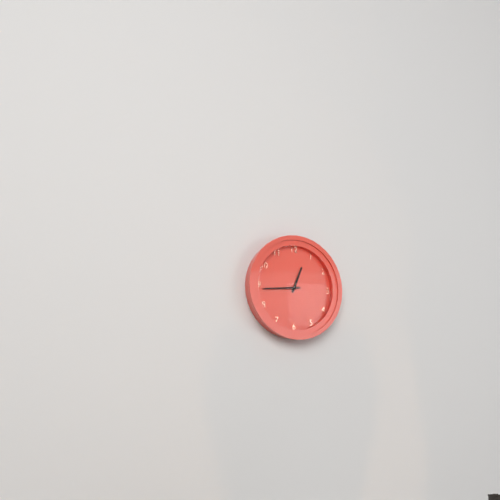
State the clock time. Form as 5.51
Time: 12.44
